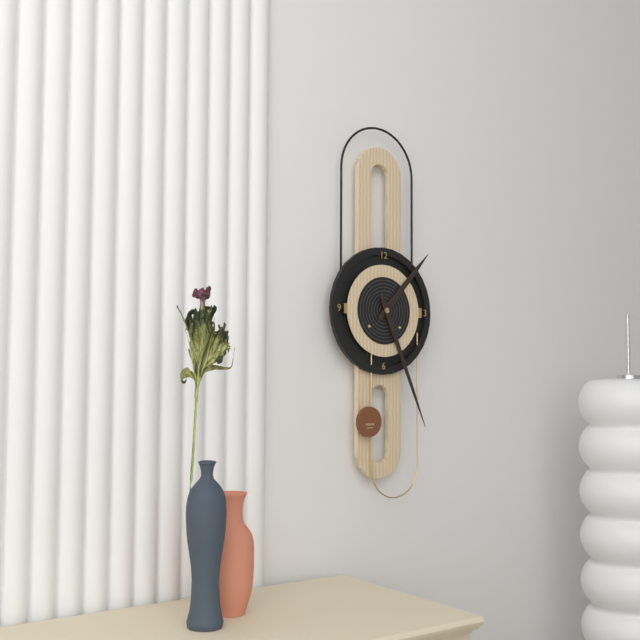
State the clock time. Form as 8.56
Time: 1.26
